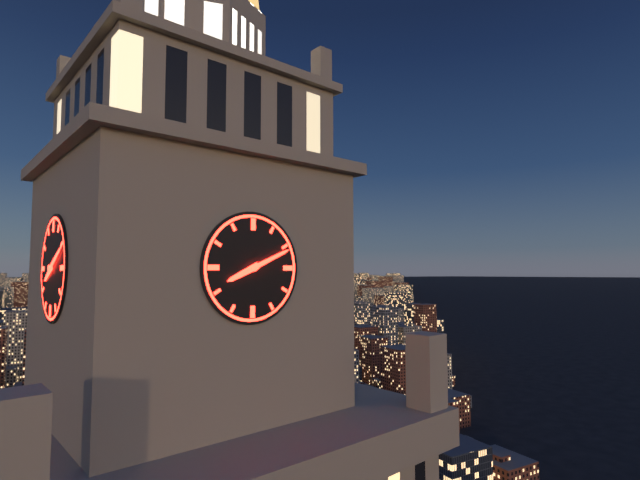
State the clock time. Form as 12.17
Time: 8.11
